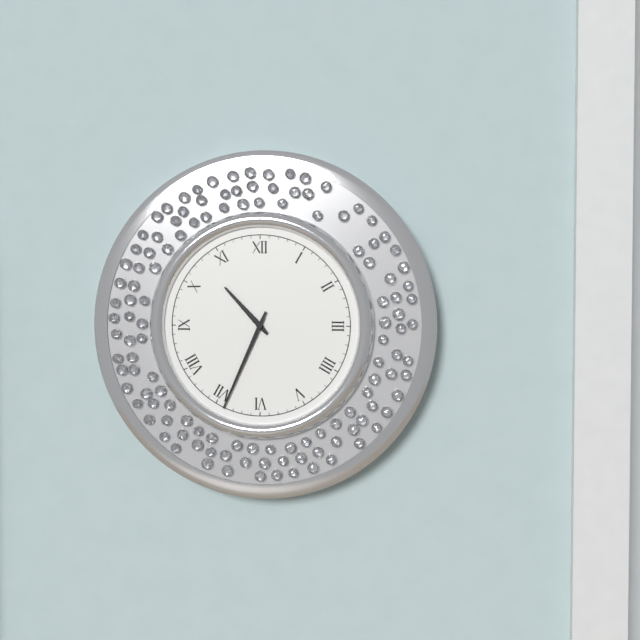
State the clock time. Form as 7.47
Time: 10.34
